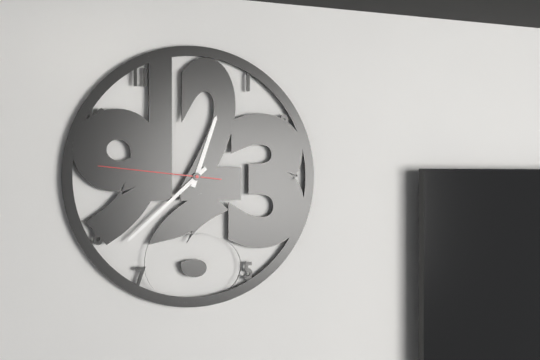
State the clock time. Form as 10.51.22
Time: 12.38.46
